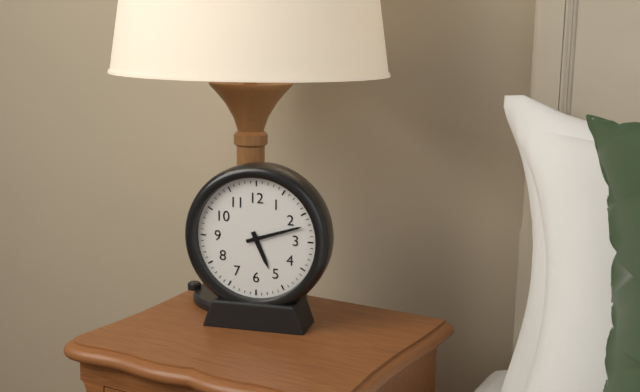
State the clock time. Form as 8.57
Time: 5.12
